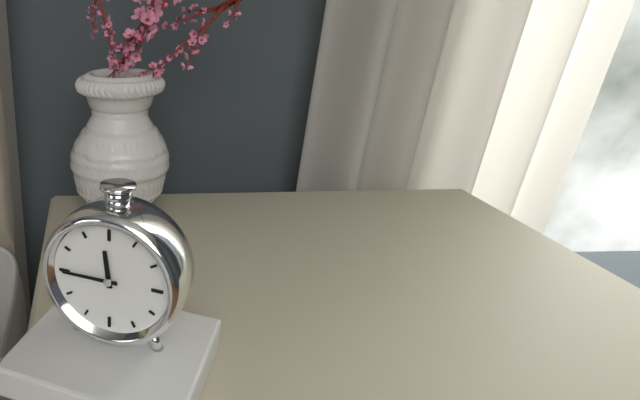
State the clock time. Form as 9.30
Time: 11.45
